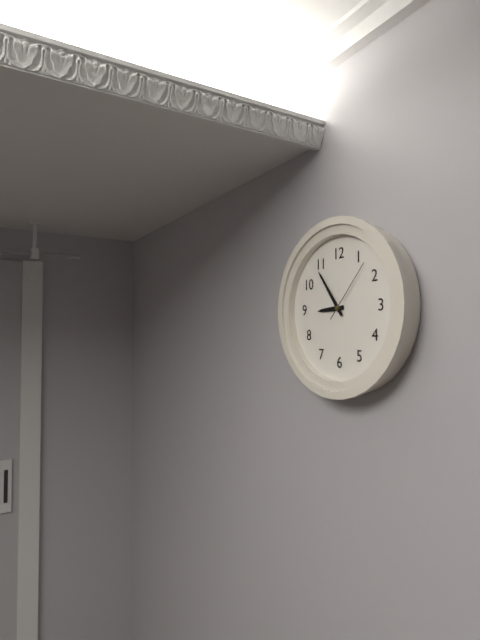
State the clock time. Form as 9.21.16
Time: 8.54.07
